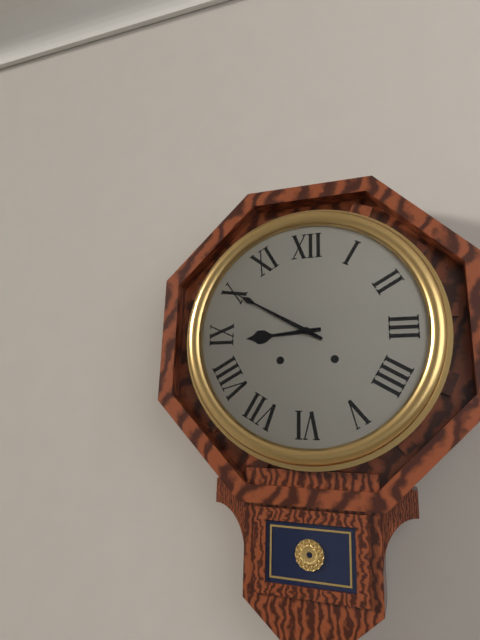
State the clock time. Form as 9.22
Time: 8.50
